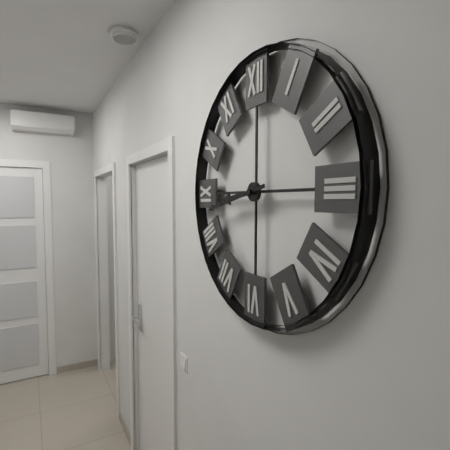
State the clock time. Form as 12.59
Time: 8.43
